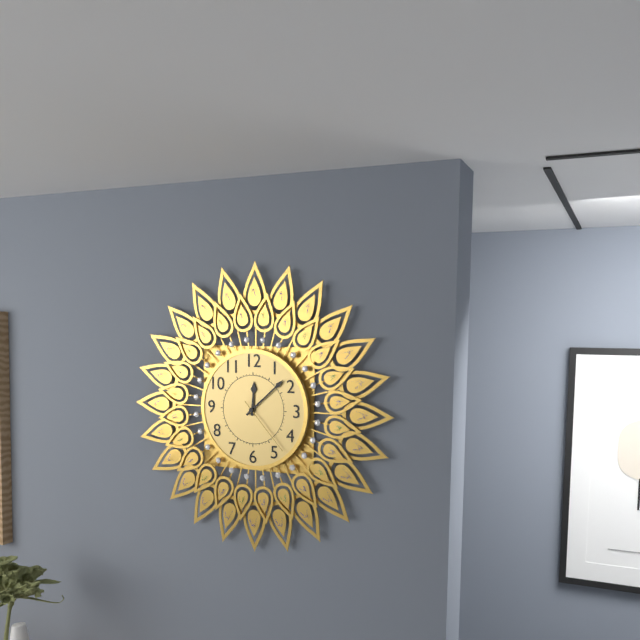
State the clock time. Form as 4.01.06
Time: 12.08.23
